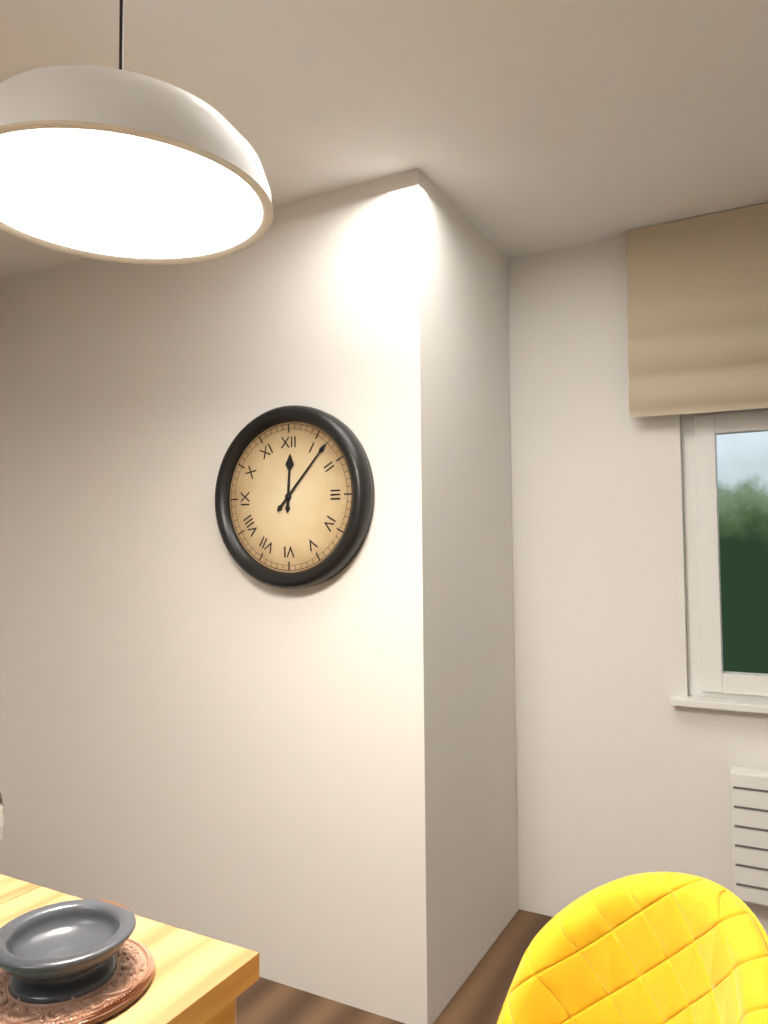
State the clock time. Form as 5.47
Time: 12.07
